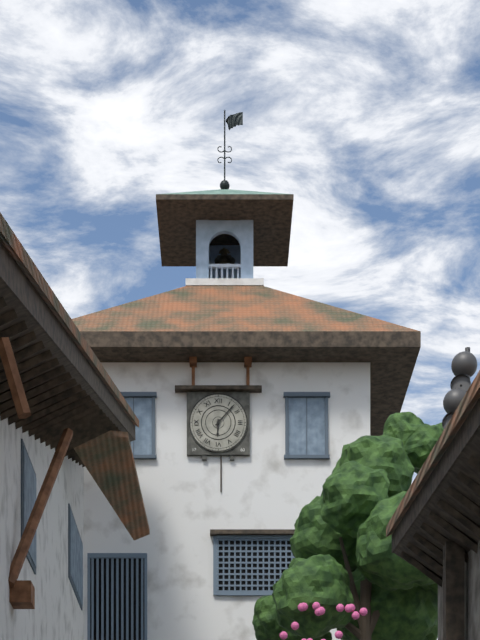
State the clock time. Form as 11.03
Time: 6.07
